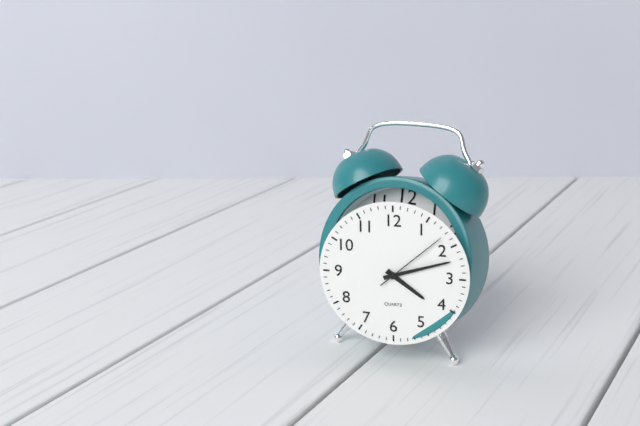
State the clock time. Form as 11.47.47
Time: 4.12.08
